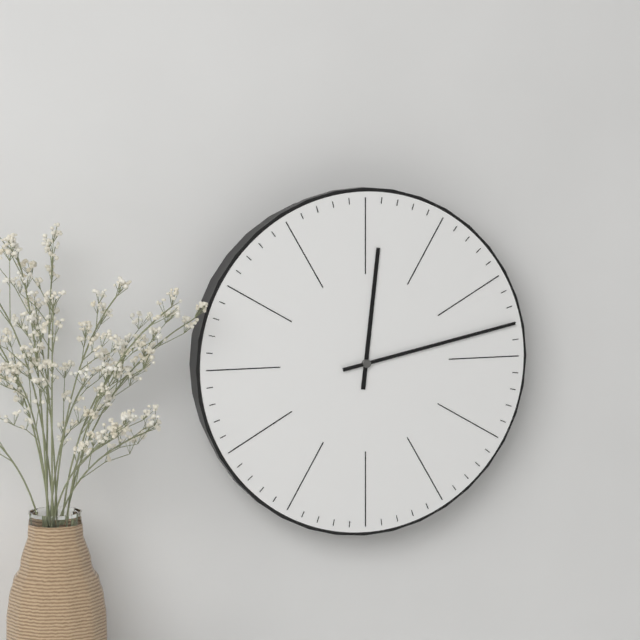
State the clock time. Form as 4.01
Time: 12.13
